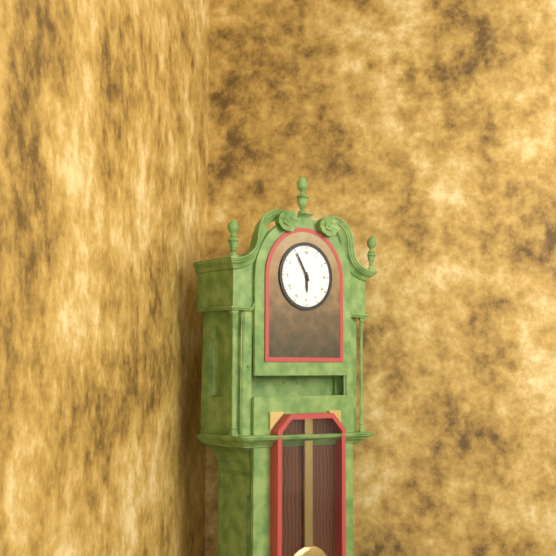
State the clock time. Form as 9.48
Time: 5.55
